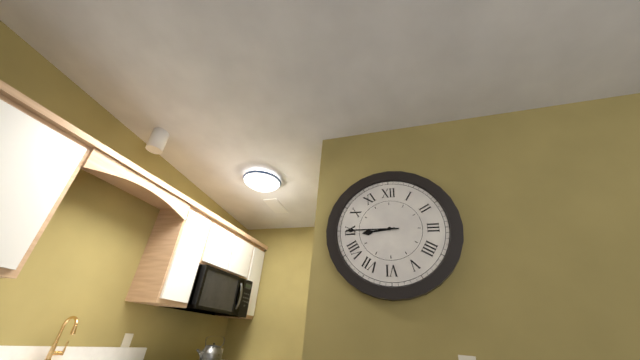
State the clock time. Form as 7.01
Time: 8.45
